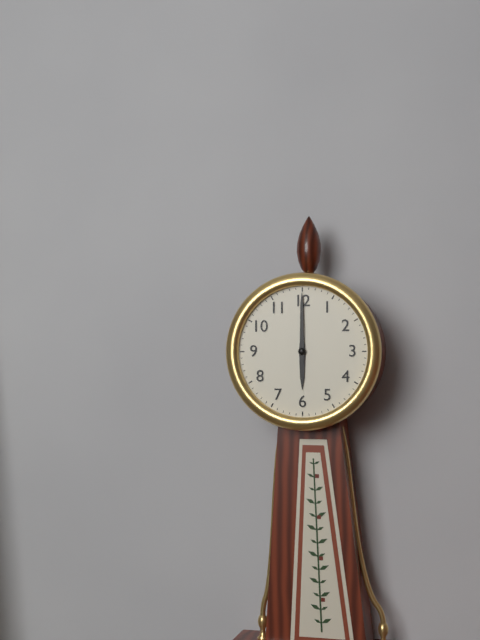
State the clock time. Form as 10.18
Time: 6.00
